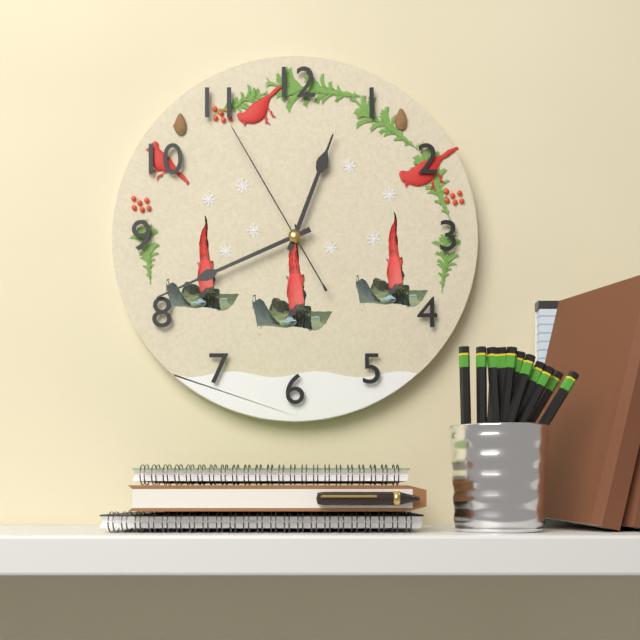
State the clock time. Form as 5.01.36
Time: 12.41.55
